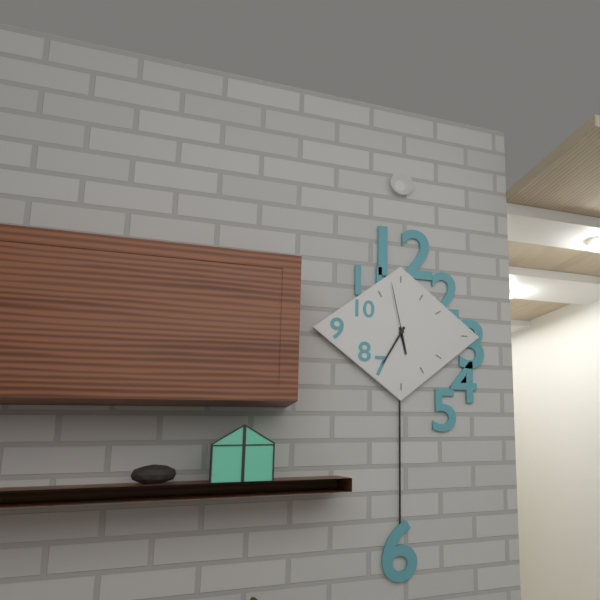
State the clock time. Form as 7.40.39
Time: 5.35.58
